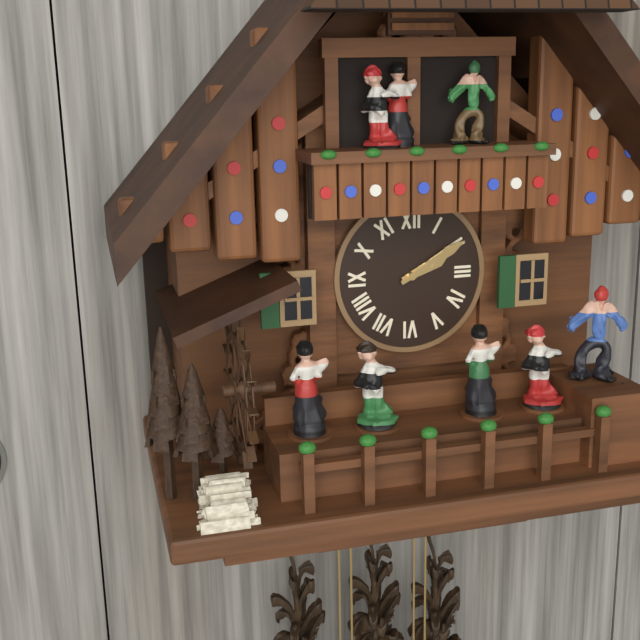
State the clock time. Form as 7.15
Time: 2.10
